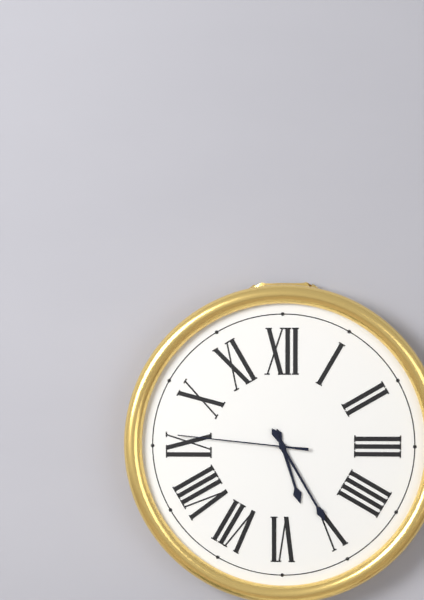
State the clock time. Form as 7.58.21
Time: 5.25.46
